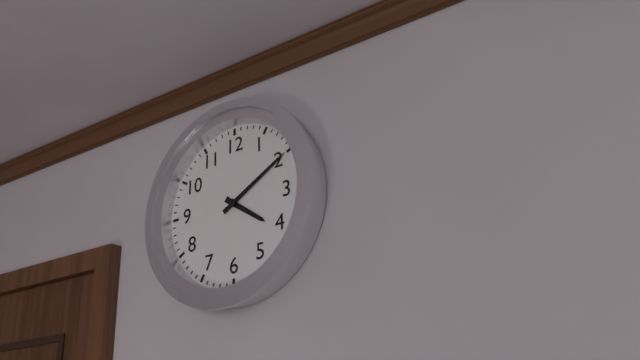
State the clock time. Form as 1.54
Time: 4.10
